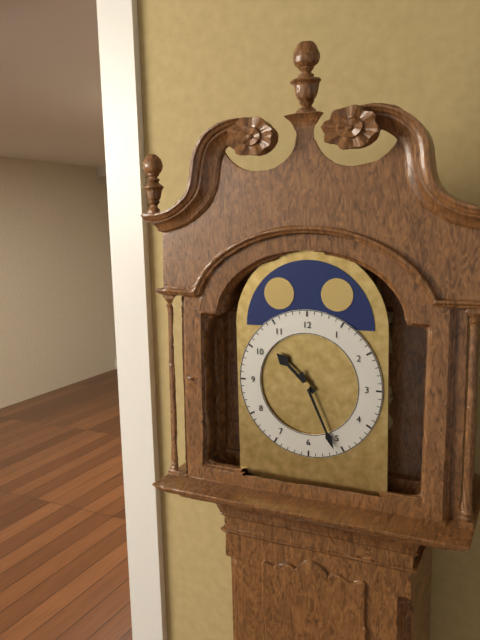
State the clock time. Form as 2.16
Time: 10.26
